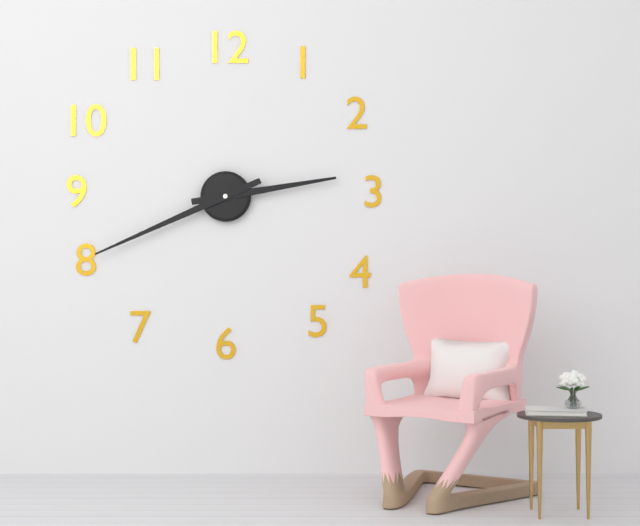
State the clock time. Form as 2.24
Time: 2.41
